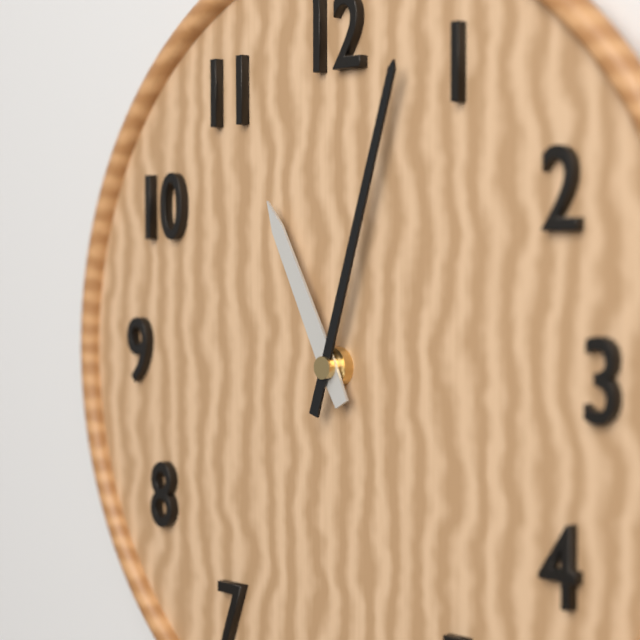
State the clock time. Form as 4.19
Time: 11.03
